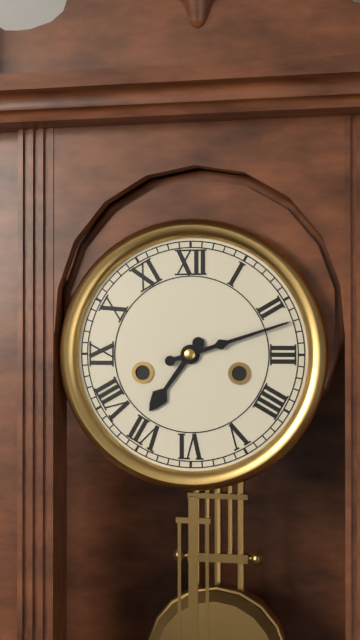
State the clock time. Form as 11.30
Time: 7.12
